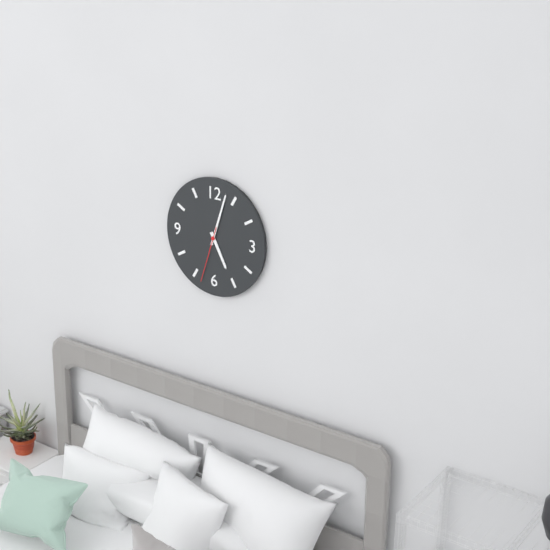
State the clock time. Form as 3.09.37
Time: 5.03.33
